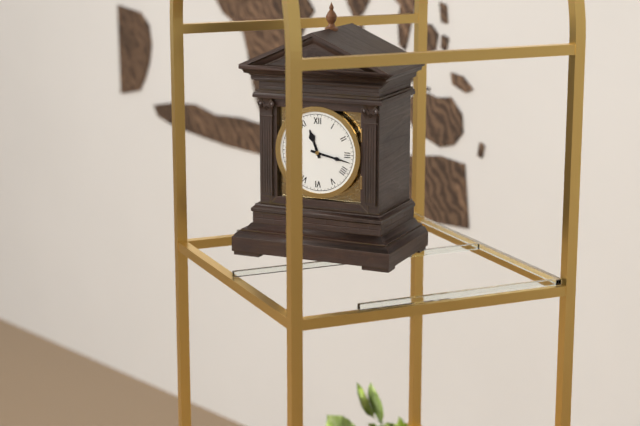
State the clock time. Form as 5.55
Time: 11.17
